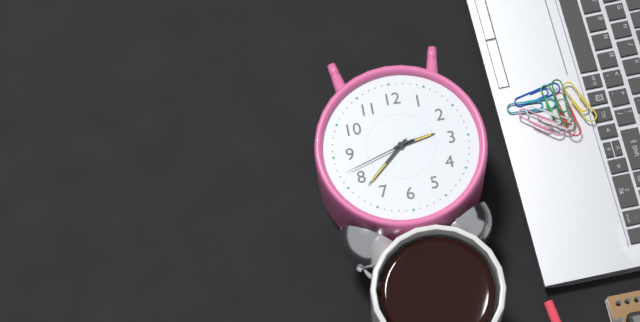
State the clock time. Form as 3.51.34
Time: 2.38.42
